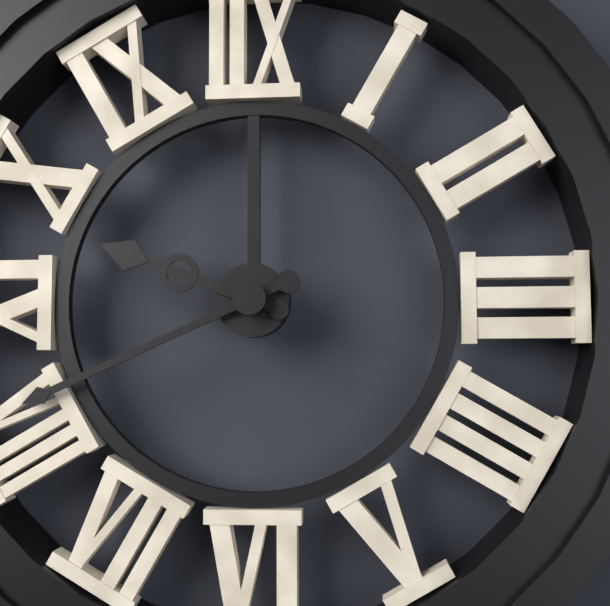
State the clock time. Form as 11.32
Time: 9.41
